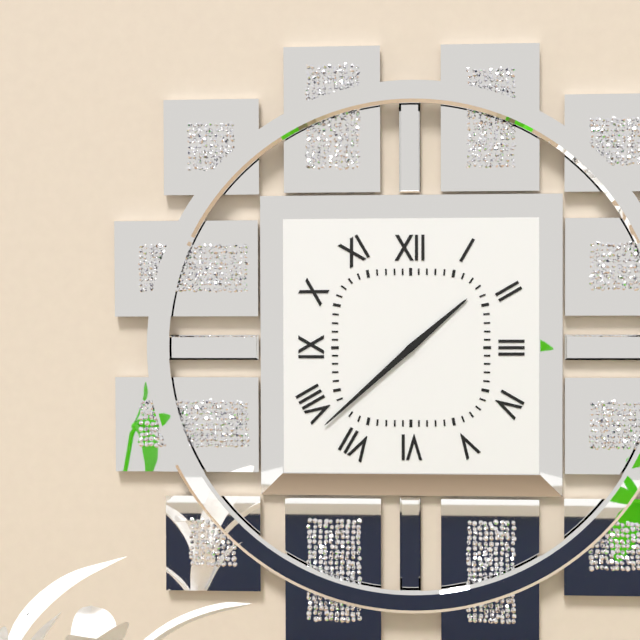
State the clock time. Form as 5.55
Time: 1.38
